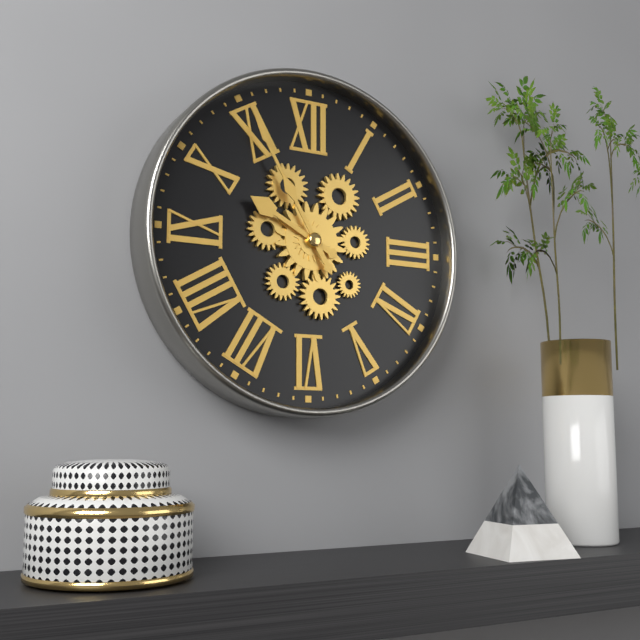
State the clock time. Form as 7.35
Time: 9.55
